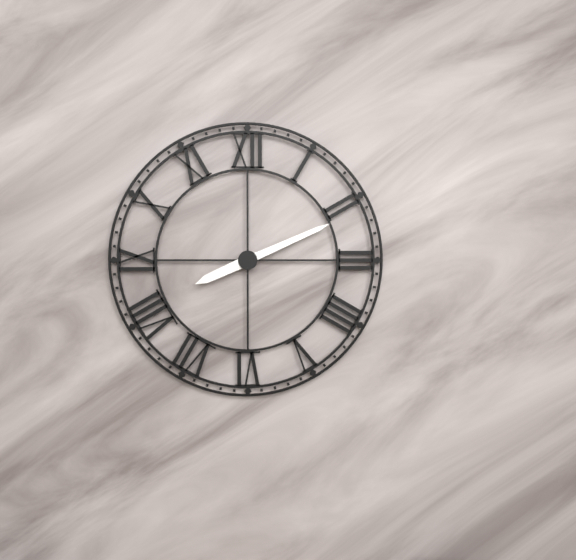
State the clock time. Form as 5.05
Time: 8.11
